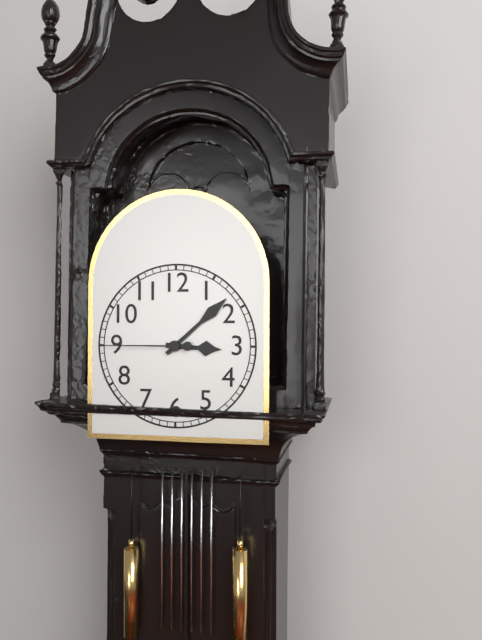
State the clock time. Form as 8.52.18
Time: 3.08.45
